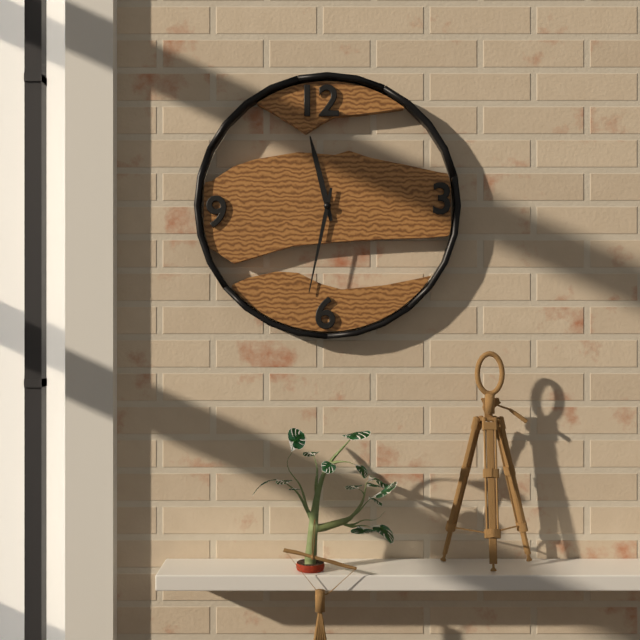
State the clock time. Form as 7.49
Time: 11.32
